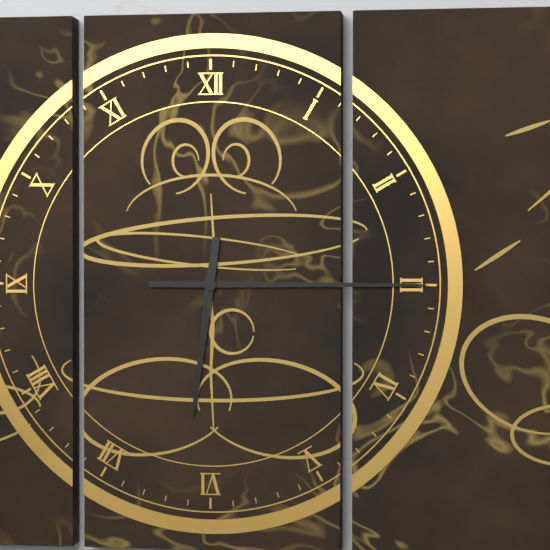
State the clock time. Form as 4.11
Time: 6.15
